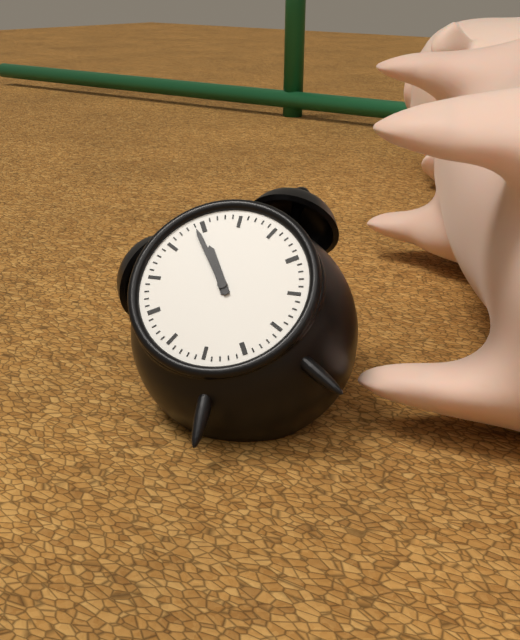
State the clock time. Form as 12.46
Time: 11.59
